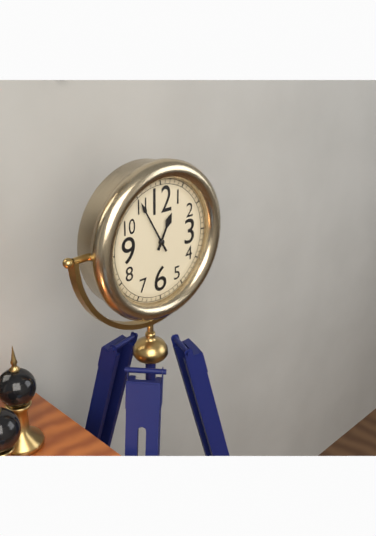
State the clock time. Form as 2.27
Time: 12.55
